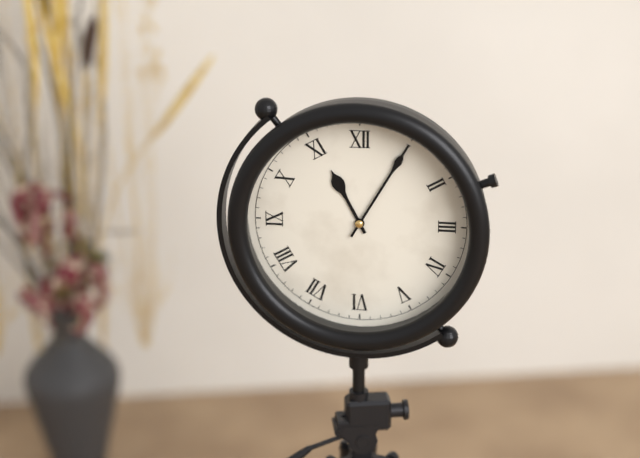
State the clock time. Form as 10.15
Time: 11.05
